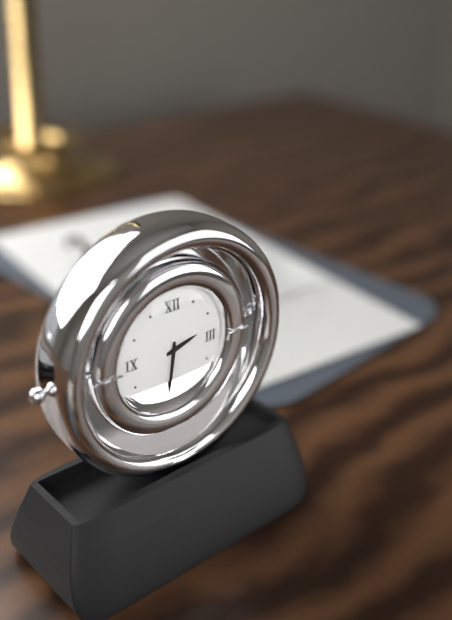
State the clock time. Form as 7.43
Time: 2.31
